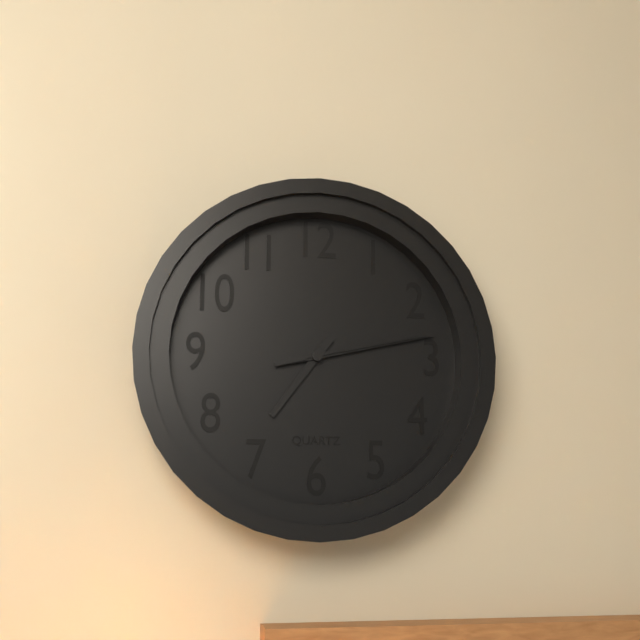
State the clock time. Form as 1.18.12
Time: 7.13.13
